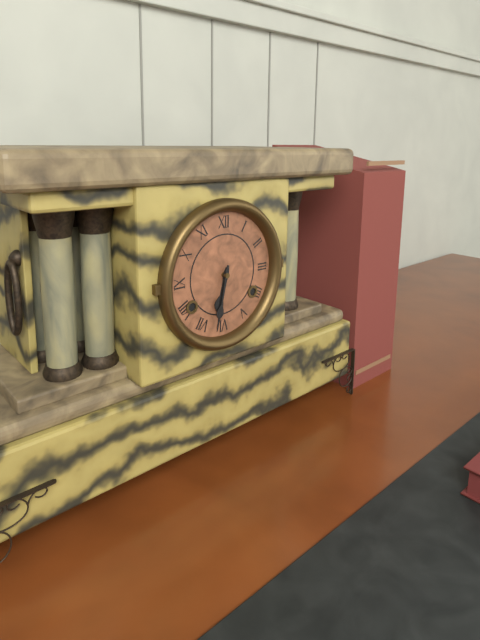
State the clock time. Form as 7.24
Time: 6.32
